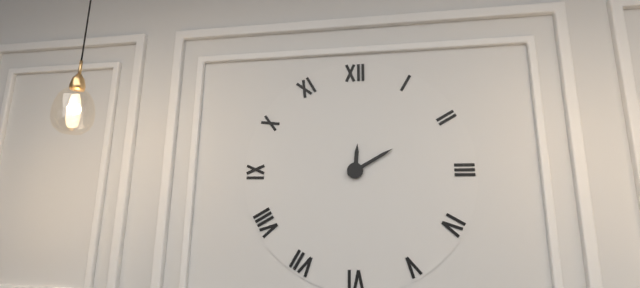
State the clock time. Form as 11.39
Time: 12.10
